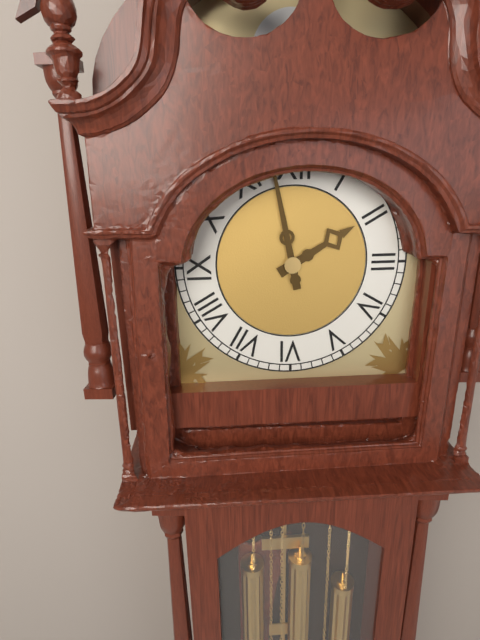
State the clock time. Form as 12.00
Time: 1.58
